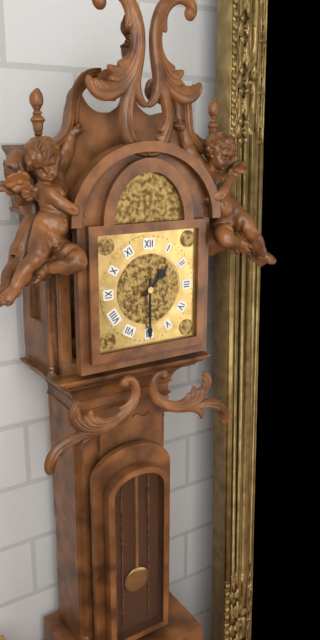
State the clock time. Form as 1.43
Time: 1.30
